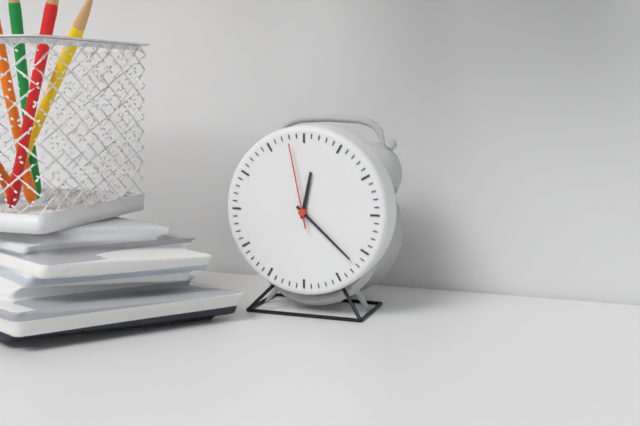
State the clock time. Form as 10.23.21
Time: 12.22.58
